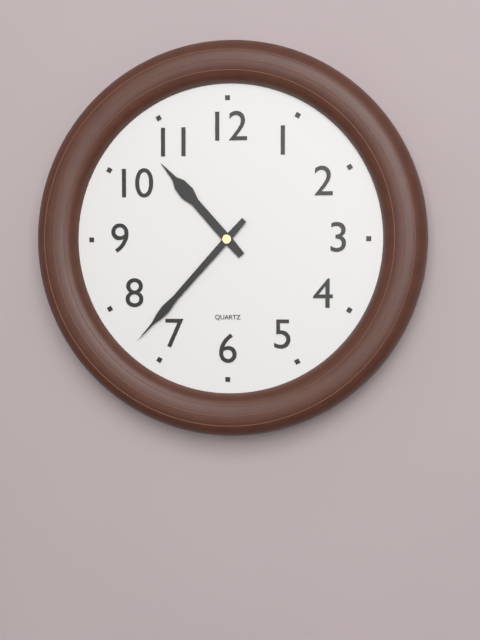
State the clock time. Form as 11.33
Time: 10.37
